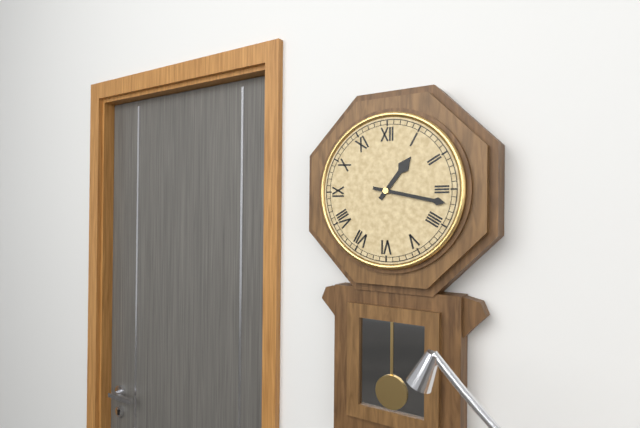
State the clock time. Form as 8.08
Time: 1.17
